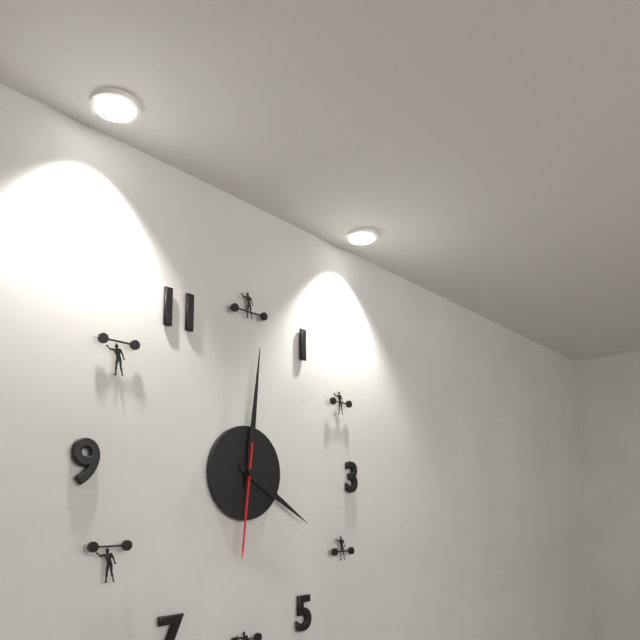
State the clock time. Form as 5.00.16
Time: 4.01.31
